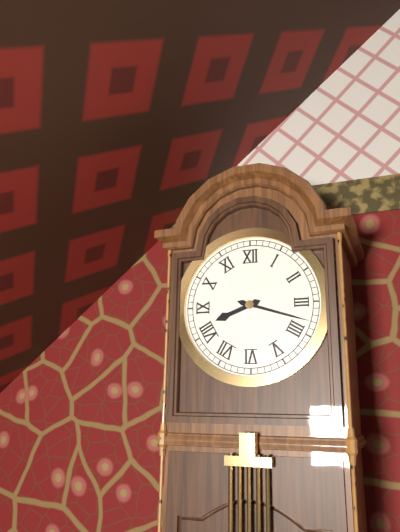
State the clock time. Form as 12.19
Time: 8.18
